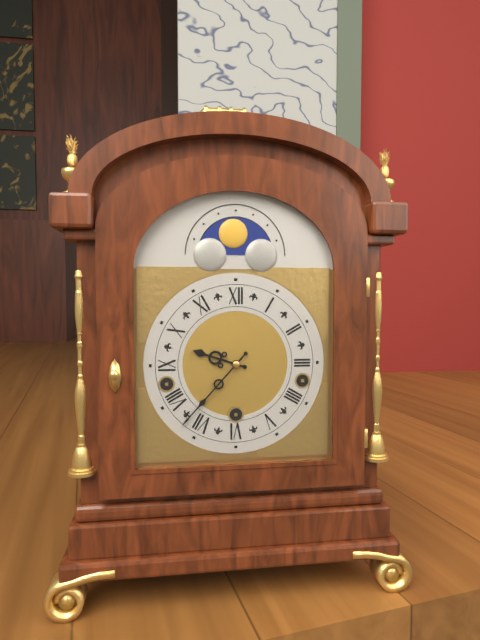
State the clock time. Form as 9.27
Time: 9.37
